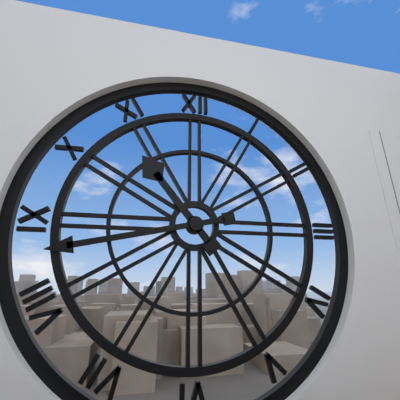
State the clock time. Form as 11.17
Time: 10.43
